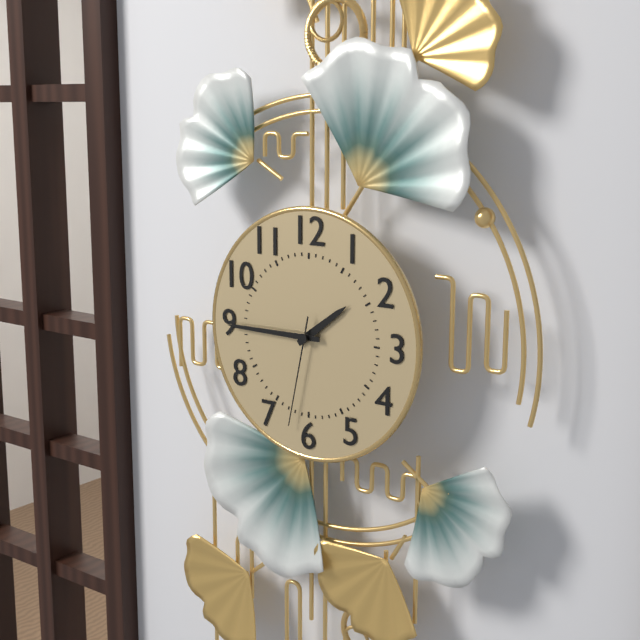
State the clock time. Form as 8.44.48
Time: 1.45.32
